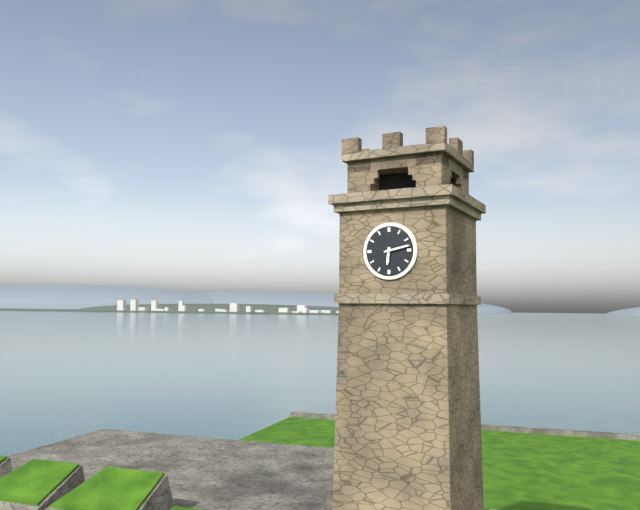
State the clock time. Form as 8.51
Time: 6.13
